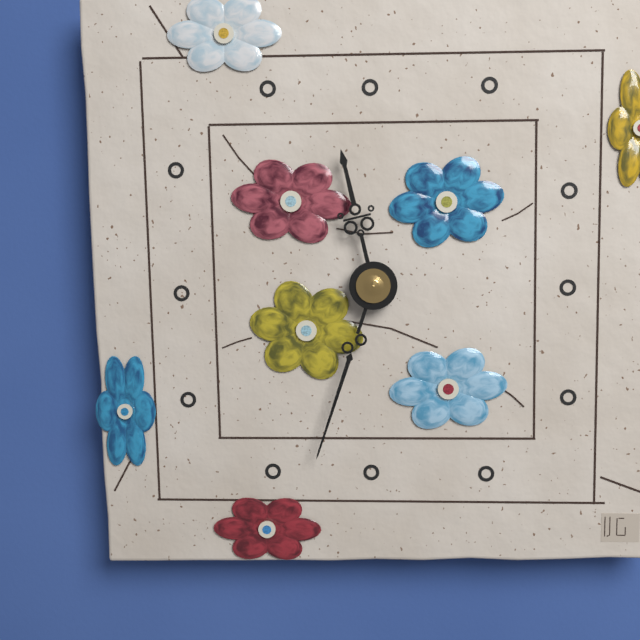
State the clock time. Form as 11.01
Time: 11.33
